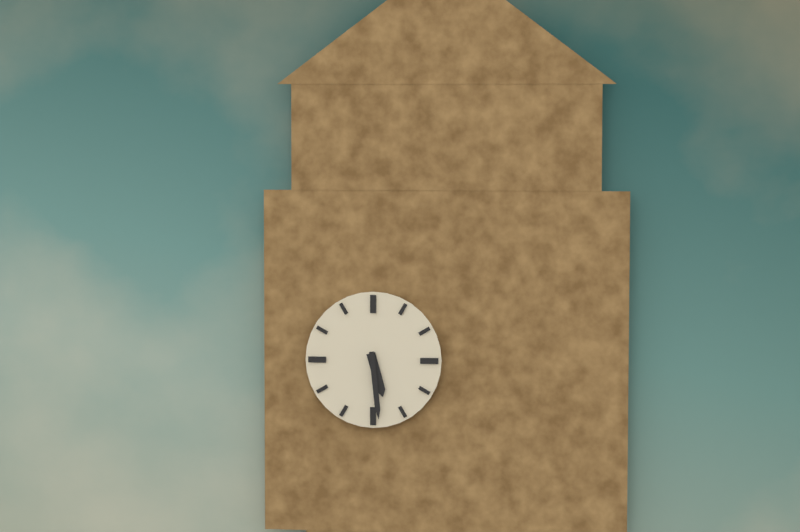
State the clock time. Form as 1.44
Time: 5.29
